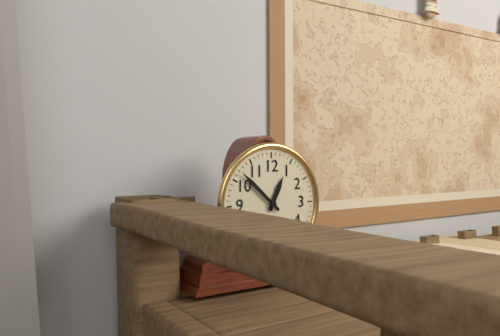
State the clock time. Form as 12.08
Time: 12.52
